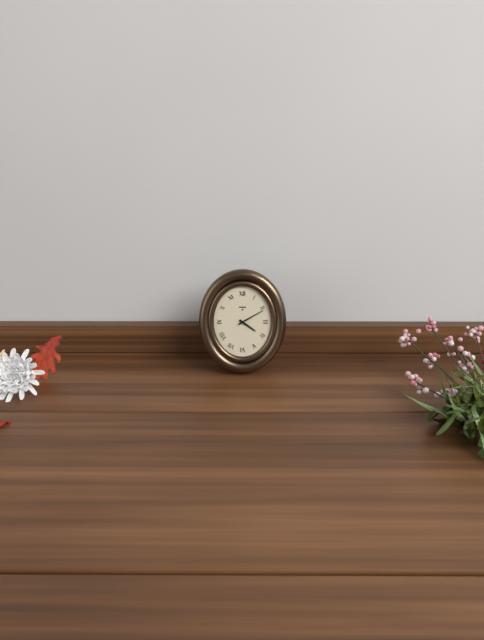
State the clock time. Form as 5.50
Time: 4.10
